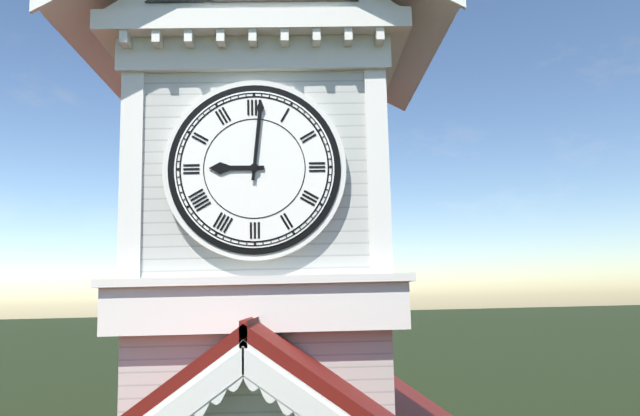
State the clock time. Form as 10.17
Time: 9.01
